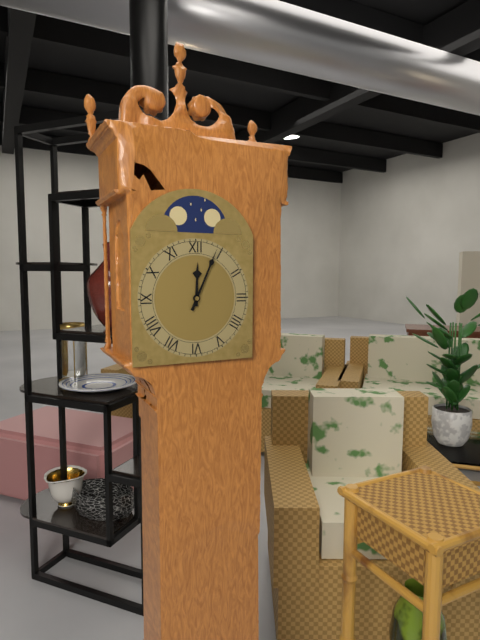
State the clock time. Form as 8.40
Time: 12.04
